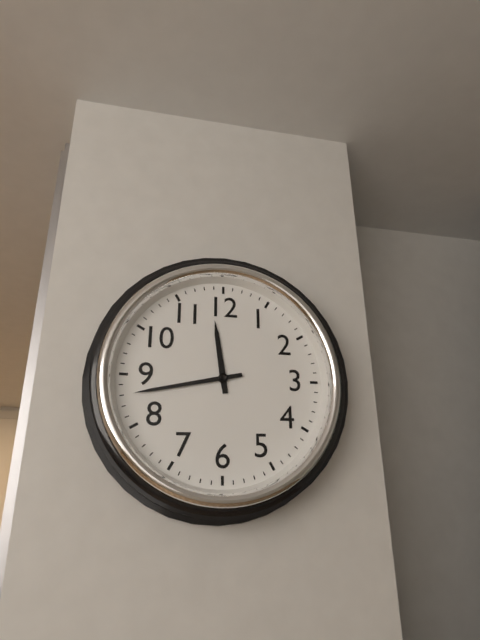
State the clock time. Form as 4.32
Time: 11.43
